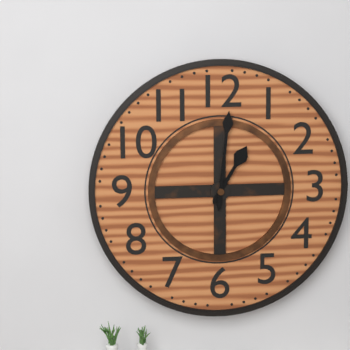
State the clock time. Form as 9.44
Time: 1.01
